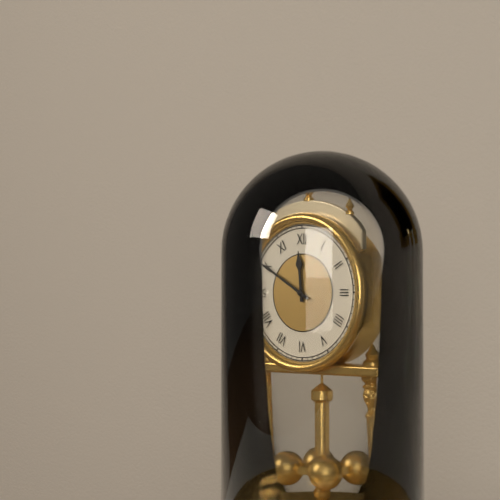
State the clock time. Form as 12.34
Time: 11.50
